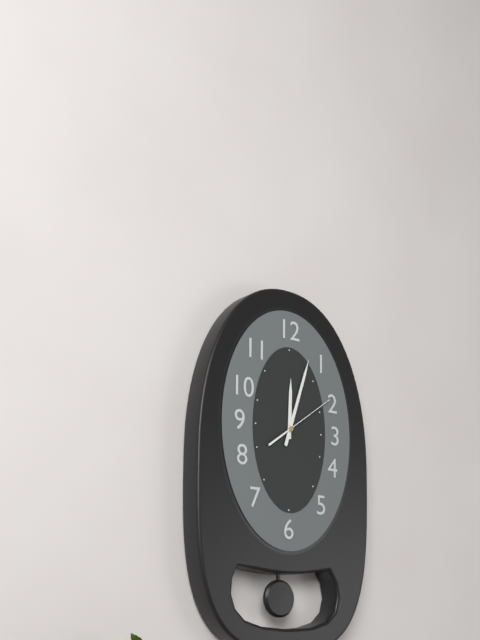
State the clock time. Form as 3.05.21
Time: 12.03.09
